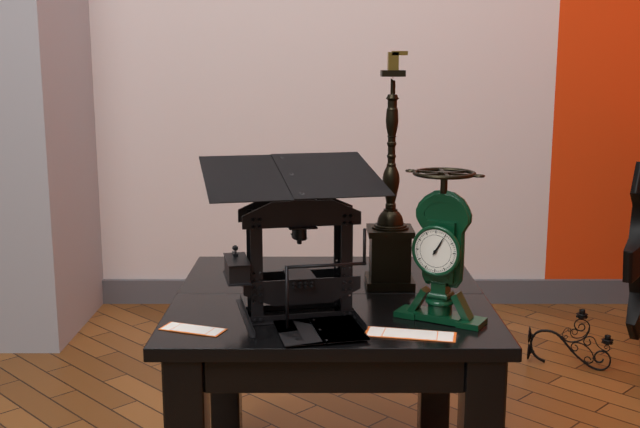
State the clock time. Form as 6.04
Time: 1.05
